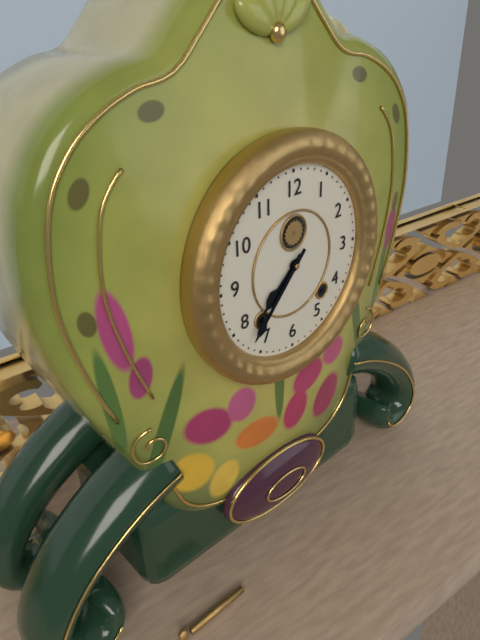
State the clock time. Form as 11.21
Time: 7.37
